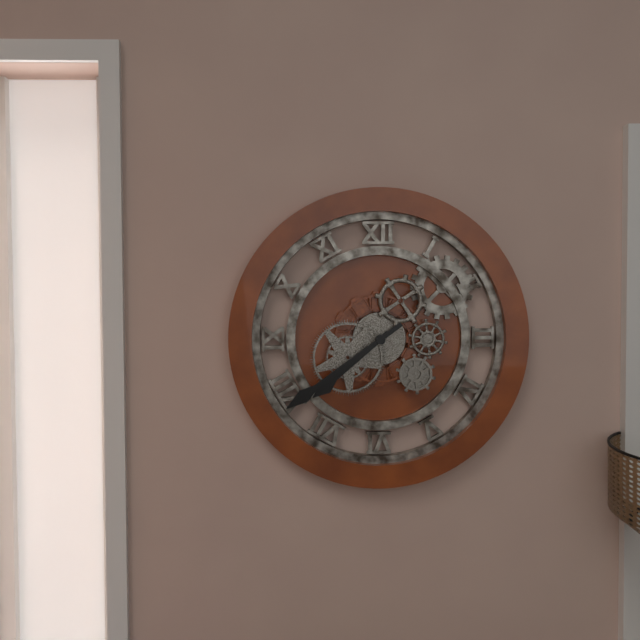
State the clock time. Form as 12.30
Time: 7.39
